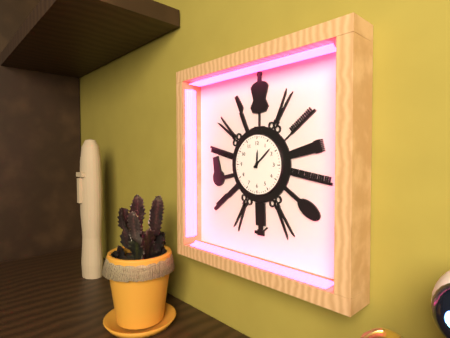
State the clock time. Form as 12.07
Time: 12.08
